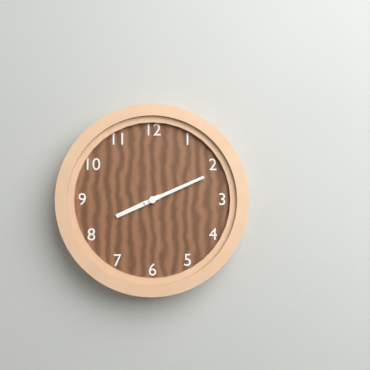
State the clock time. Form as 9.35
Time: 8.11
